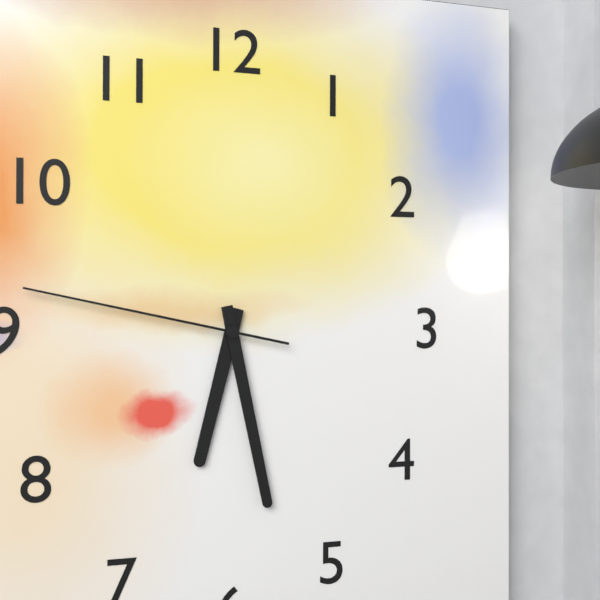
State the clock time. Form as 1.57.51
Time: 6.28.47
